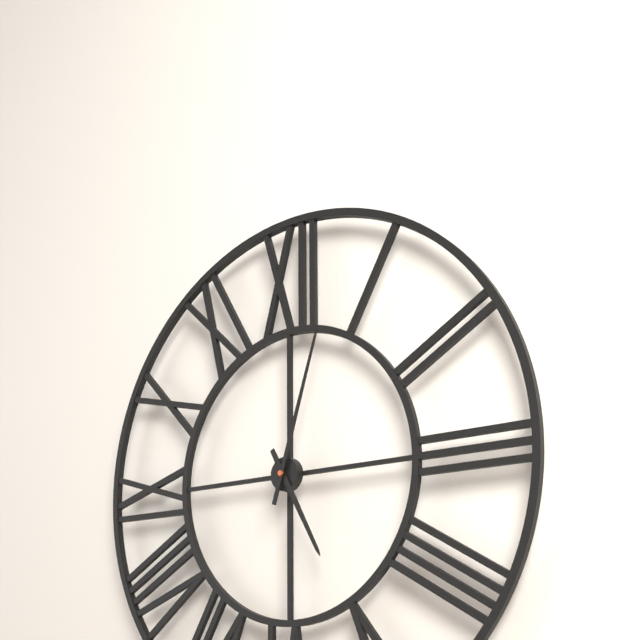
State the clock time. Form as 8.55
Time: 5.03
